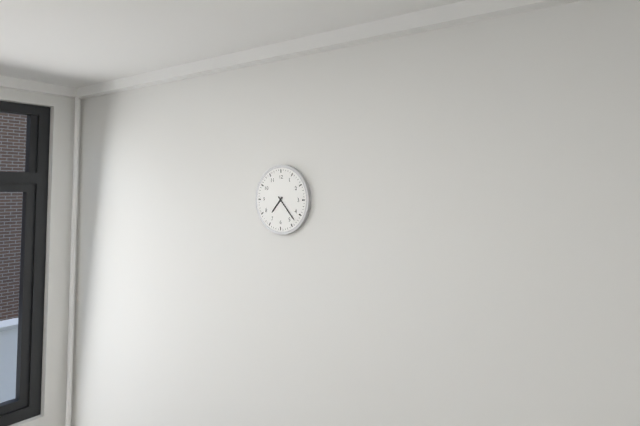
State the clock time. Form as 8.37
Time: 7.23
